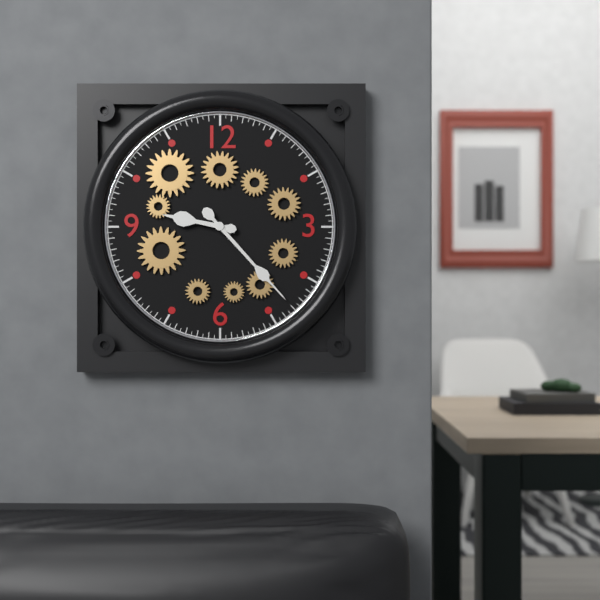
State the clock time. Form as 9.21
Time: 9.23
